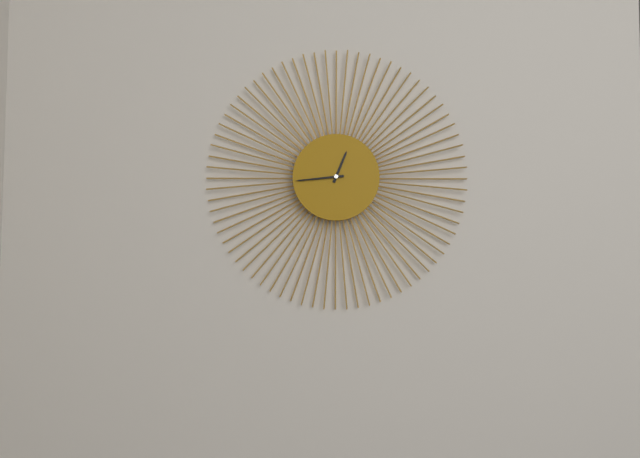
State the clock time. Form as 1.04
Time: 12.44
